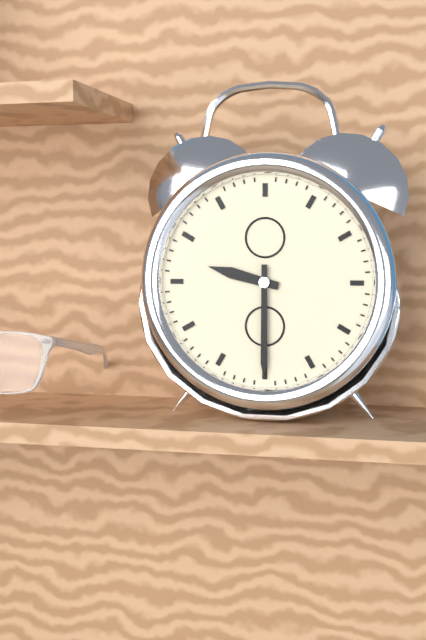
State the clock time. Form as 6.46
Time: 9.30
